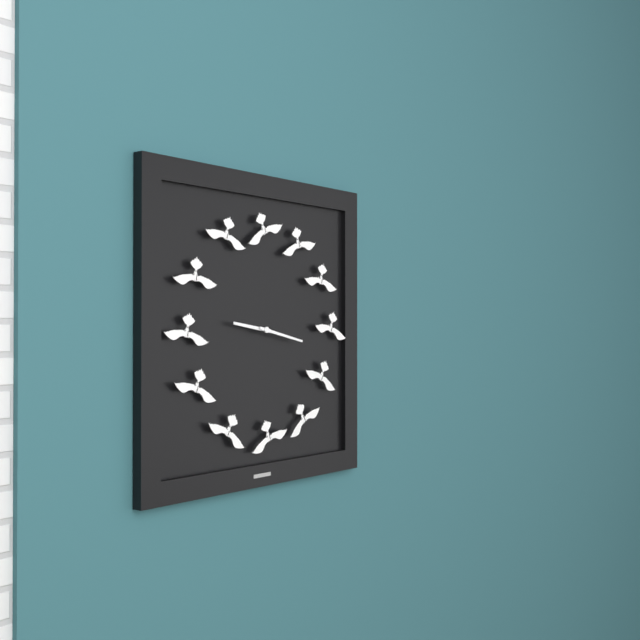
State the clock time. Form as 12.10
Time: 9.17
